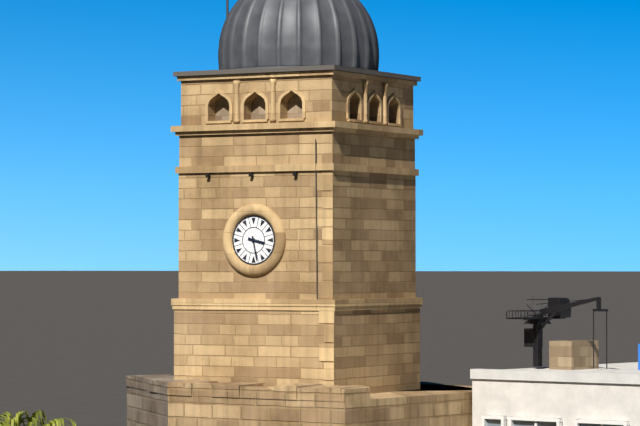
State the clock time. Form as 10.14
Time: 3.28
